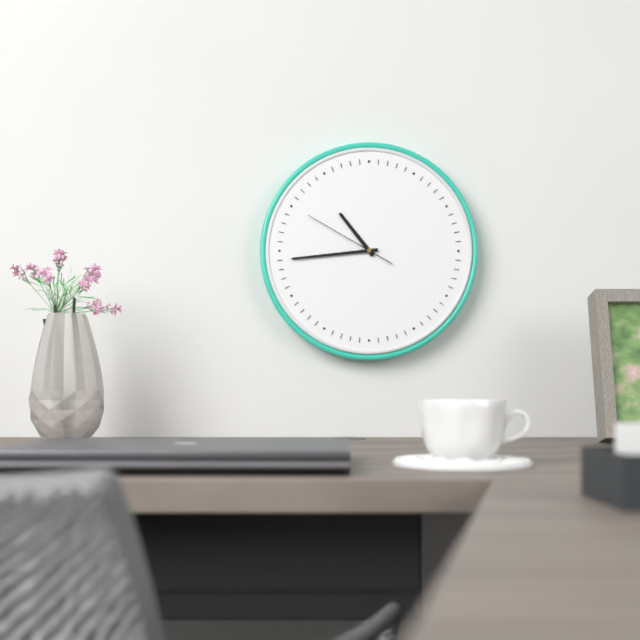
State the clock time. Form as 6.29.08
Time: 10.44.50
